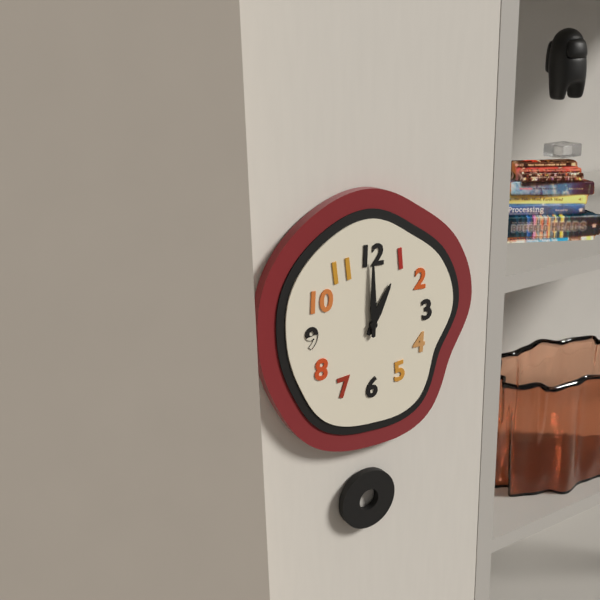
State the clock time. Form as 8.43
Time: 1.00
